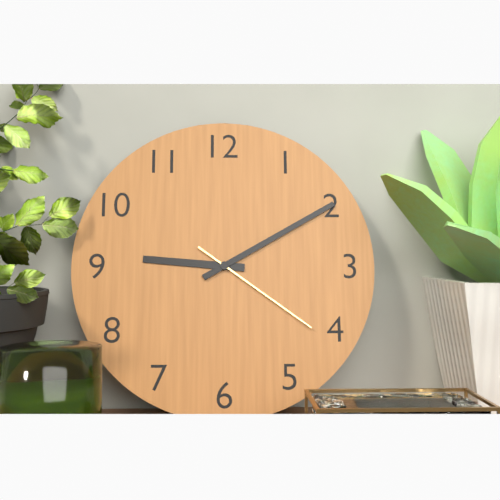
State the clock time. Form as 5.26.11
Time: 9.10.21
